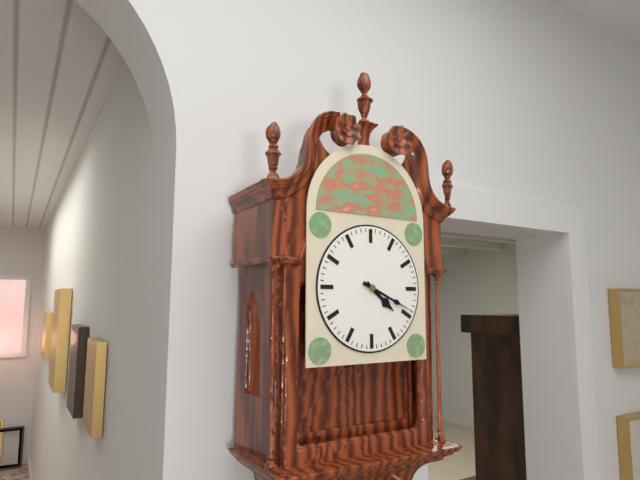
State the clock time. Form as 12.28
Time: 4.19
